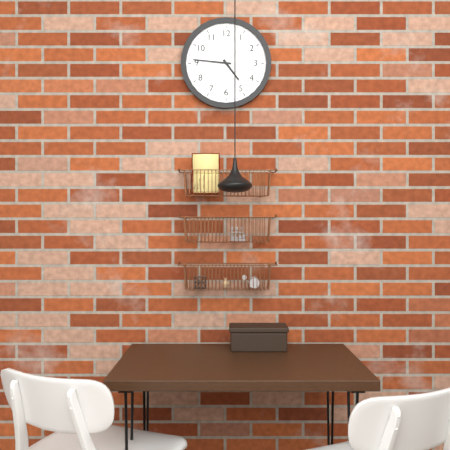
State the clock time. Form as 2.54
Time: 4.46
